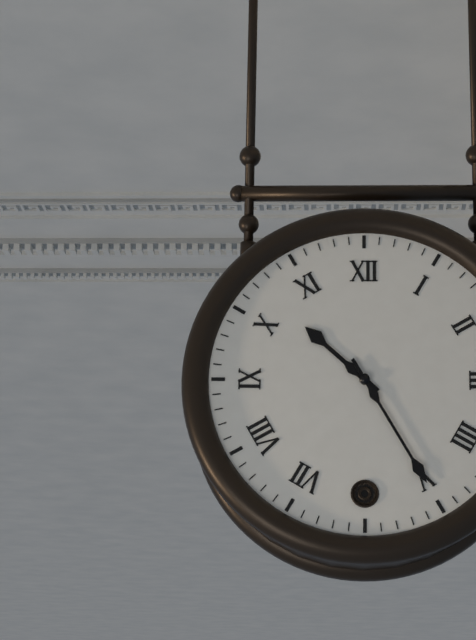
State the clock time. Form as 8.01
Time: 10.25
